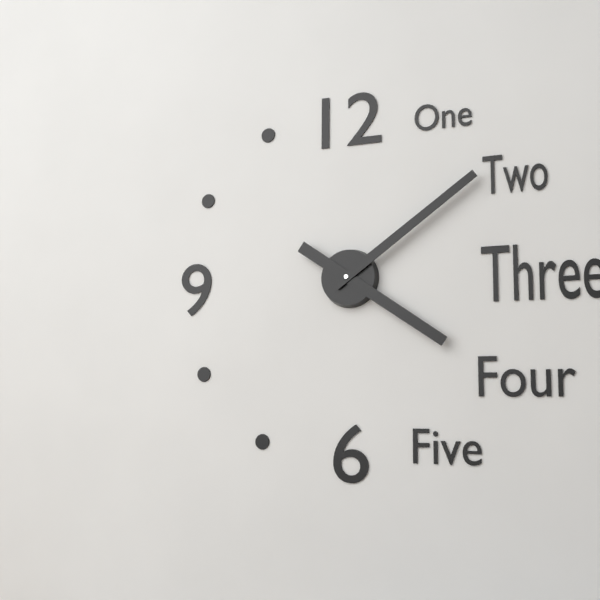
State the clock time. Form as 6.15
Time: 4.09
